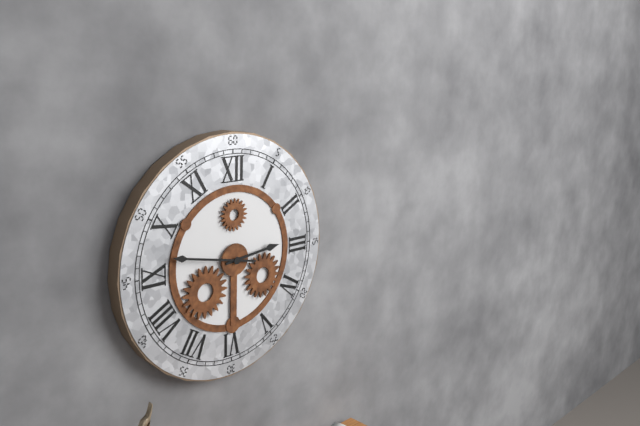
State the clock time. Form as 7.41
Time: 2.47
